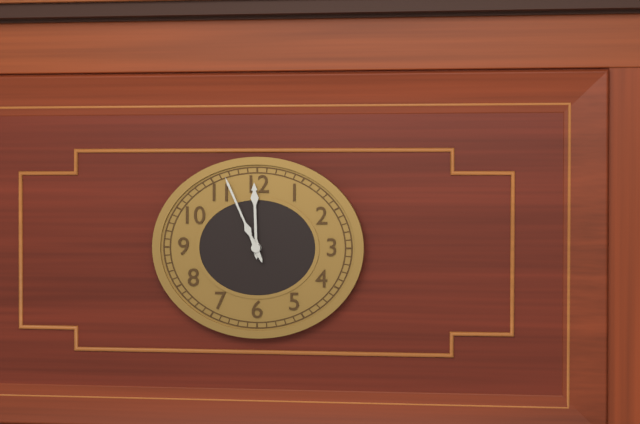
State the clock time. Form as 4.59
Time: 11.56
